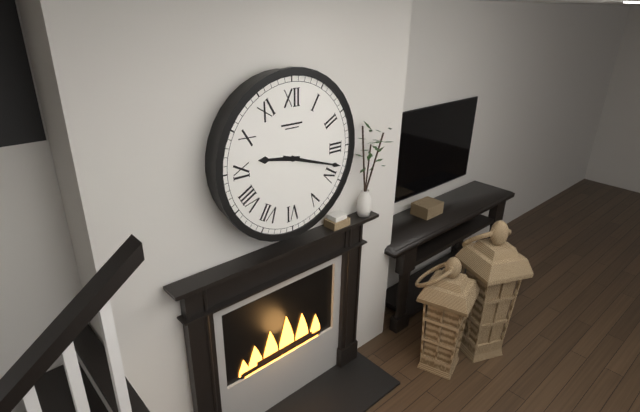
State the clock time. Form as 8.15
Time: 9.18
